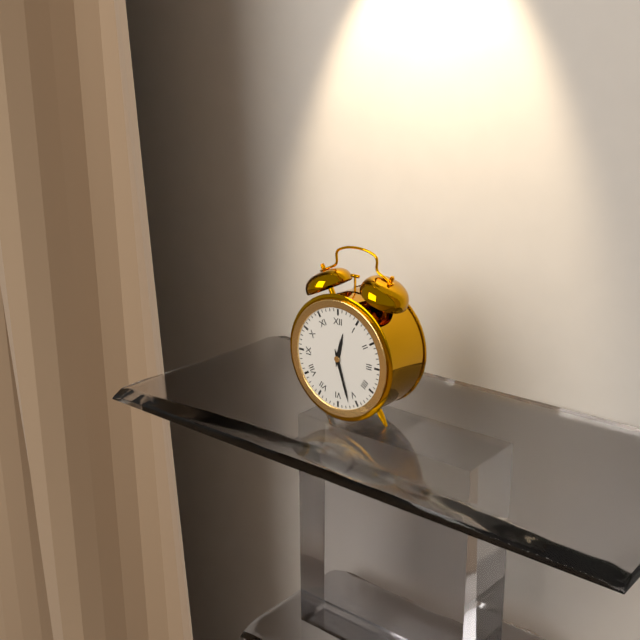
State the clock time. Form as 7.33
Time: 12.27
